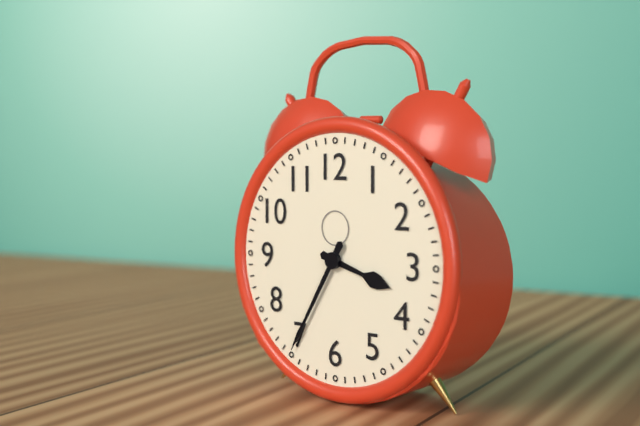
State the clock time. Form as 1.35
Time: 3.35
